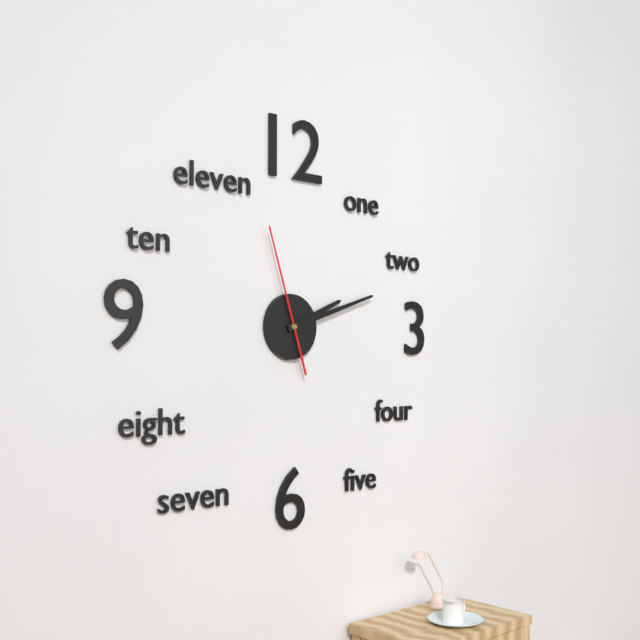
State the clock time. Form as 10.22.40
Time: 2.12.57
